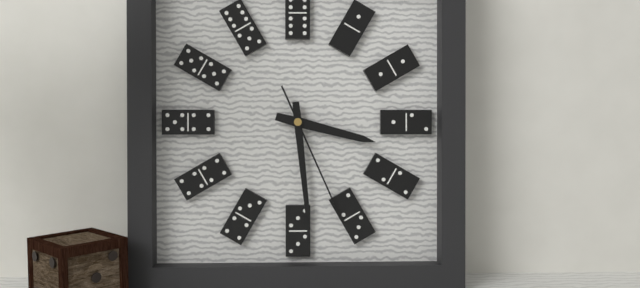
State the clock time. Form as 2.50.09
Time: 3.29.26
